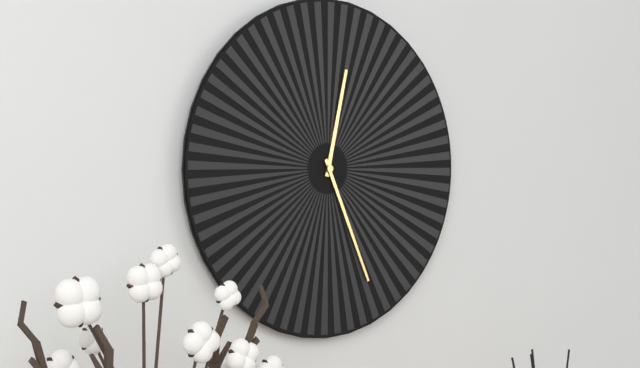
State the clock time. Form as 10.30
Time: 12.26
